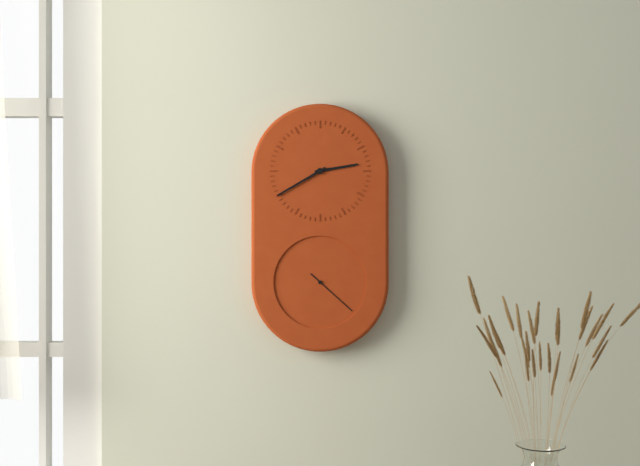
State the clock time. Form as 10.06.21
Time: 2.40.22
